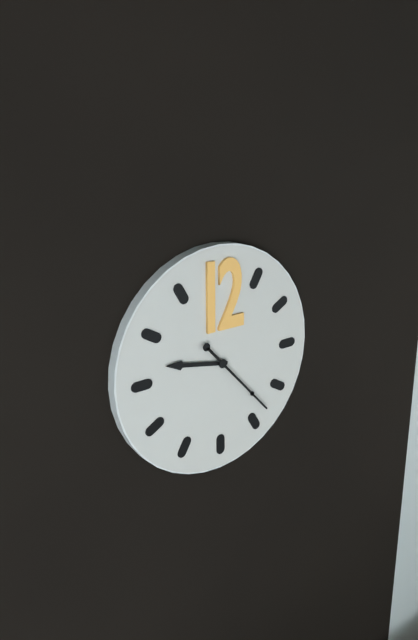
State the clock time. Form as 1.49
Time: 9.23
